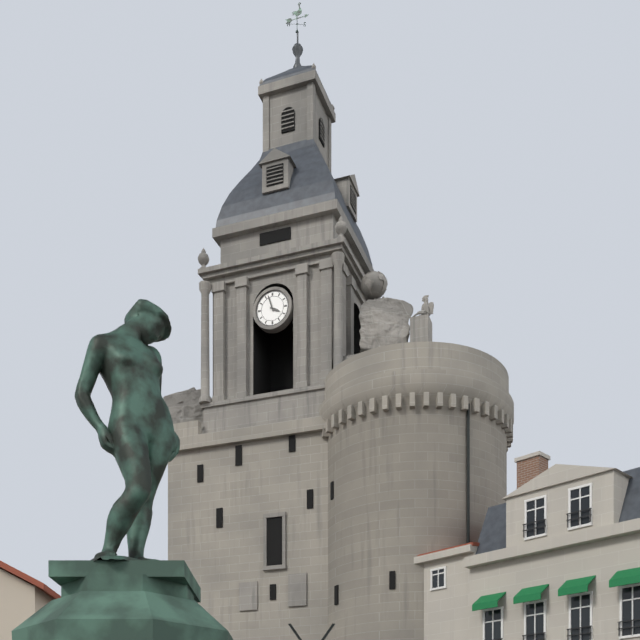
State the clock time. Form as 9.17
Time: 3.57
